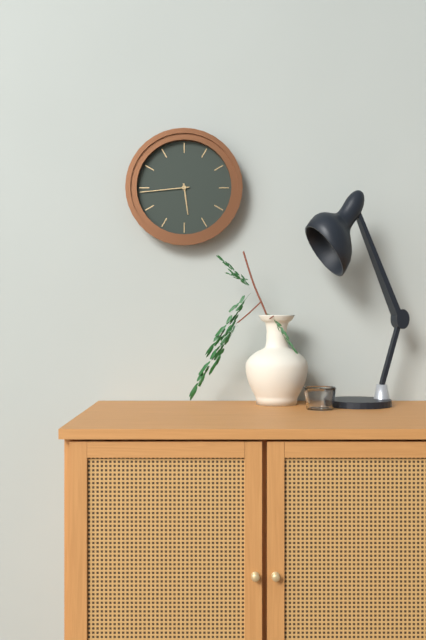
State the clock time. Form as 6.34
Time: 5.44
